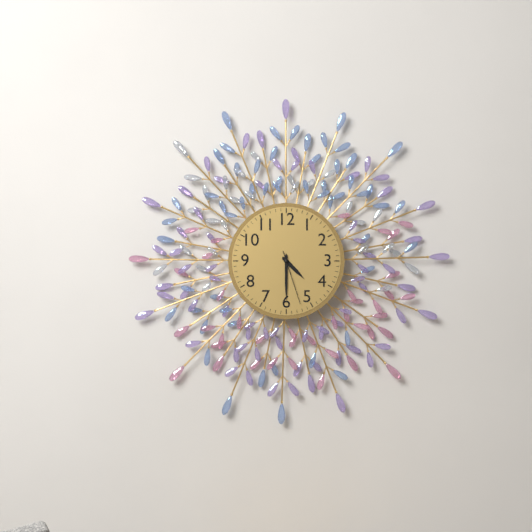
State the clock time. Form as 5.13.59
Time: 4.30.27
